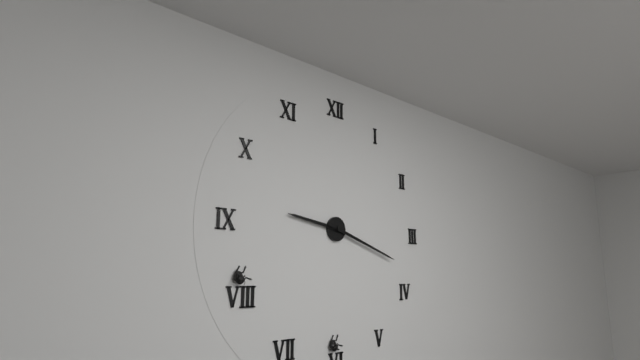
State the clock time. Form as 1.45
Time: 9.18
